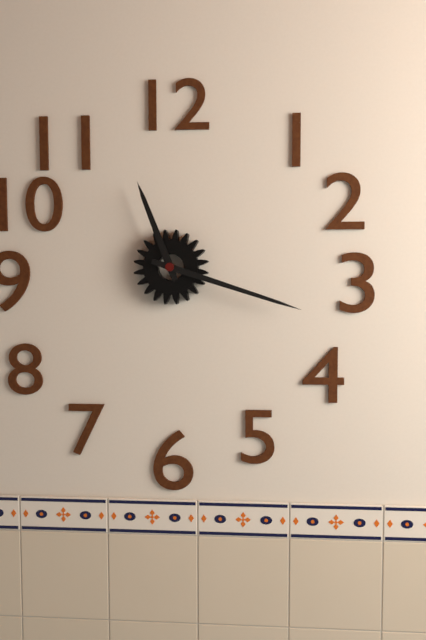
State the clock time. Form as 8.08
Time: 11.18
